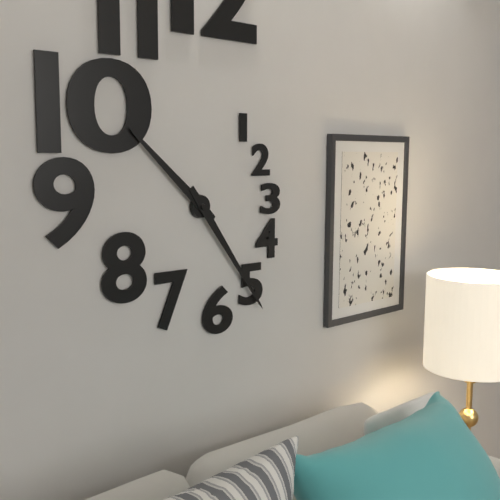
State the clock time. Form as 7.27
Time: 10.24
